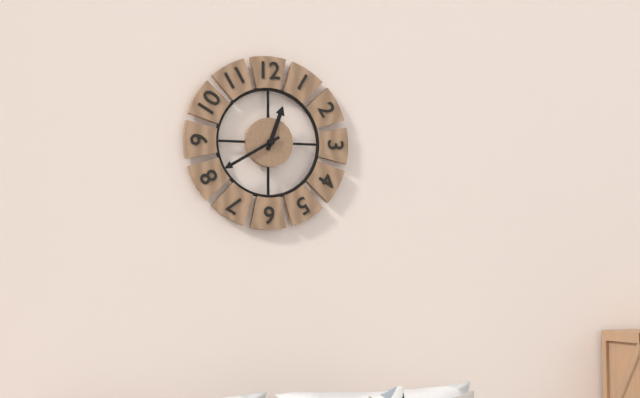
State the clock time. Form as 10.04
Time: 12.40
